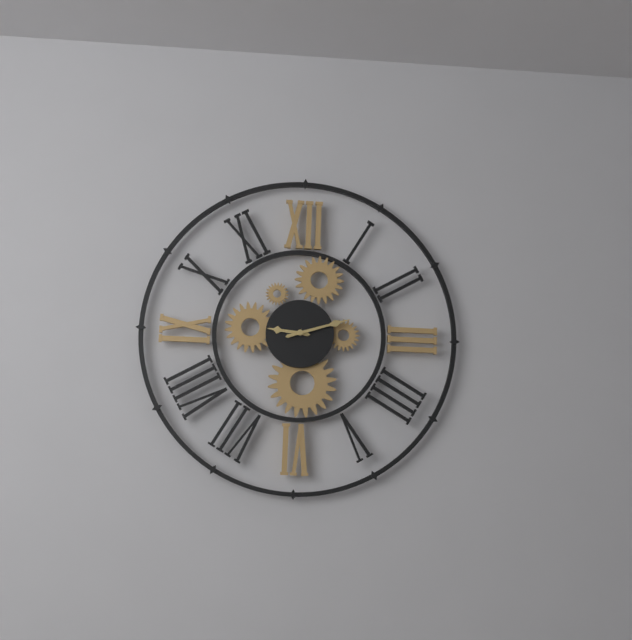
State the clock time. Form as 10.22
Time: 9.12
